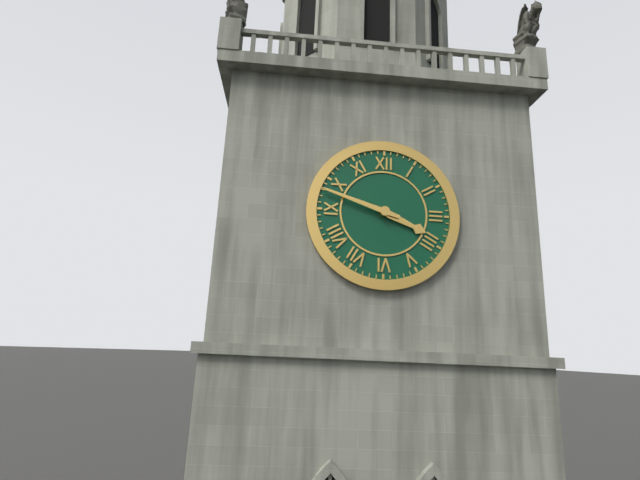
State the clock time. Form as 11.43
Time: 3.48
